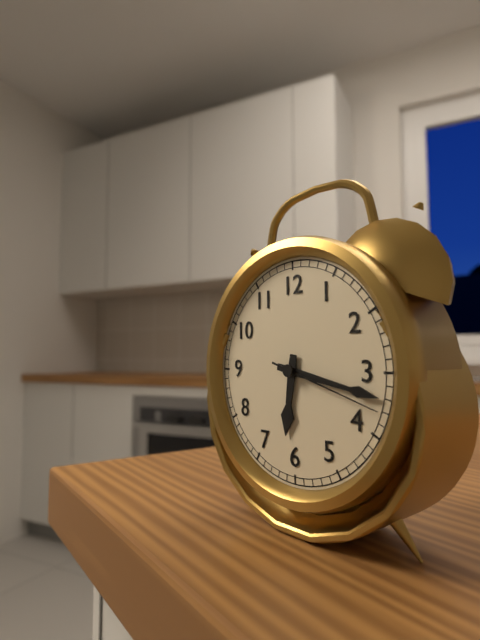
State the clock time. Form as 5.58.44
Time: 6.17.18
